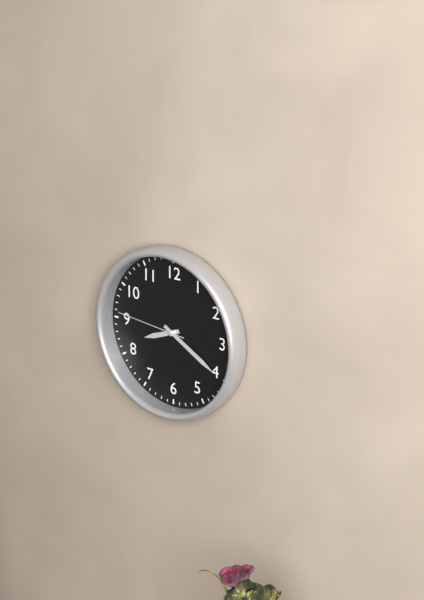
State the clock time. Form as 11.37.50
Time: 8.20.46
